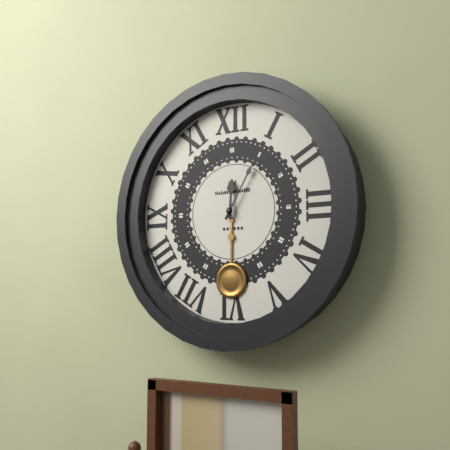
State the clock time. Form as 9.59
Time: 12.05
